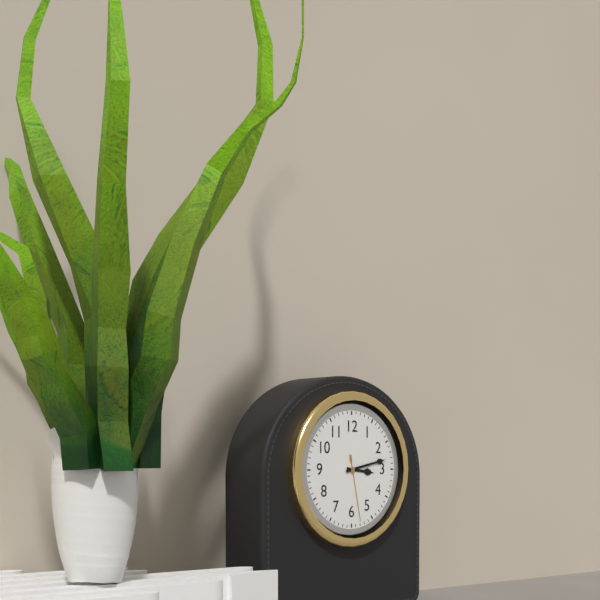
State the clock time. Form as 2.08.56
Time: 3.13.28
